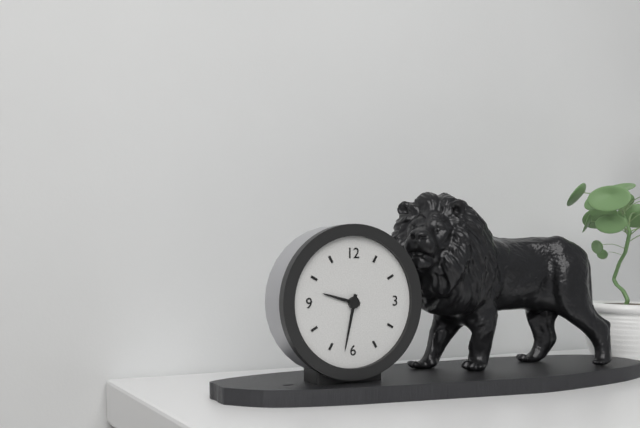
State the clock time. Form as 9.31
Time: 9.32
